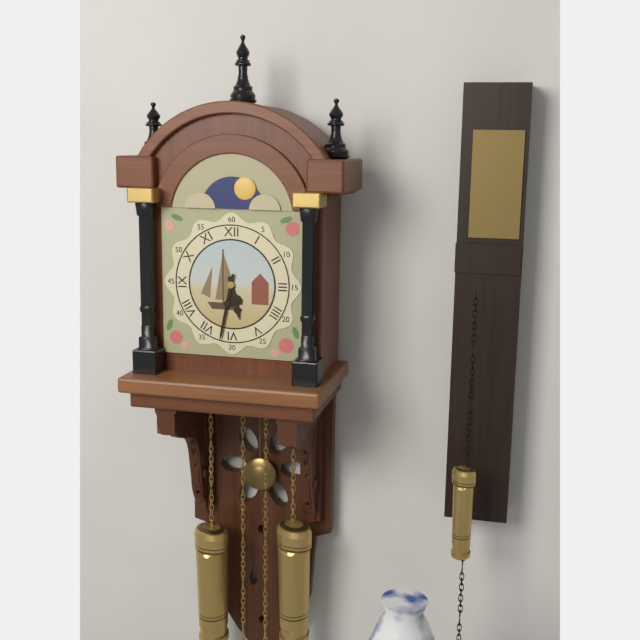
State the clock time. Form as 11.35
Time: 5.32
